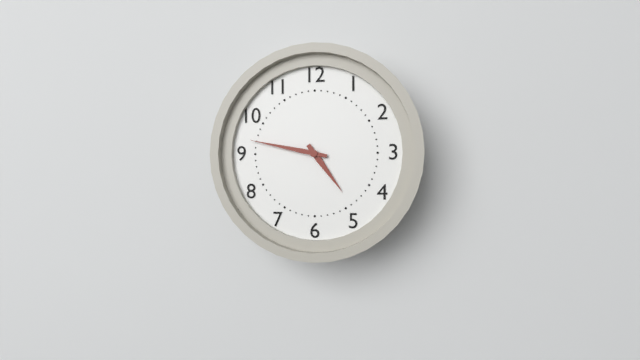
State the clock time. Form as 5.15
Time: 4.47
